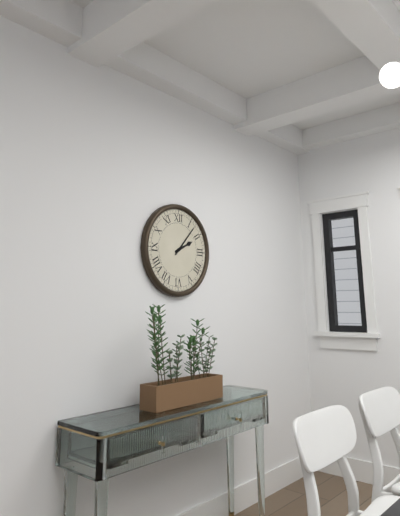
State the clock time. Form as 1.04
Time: 2.07
